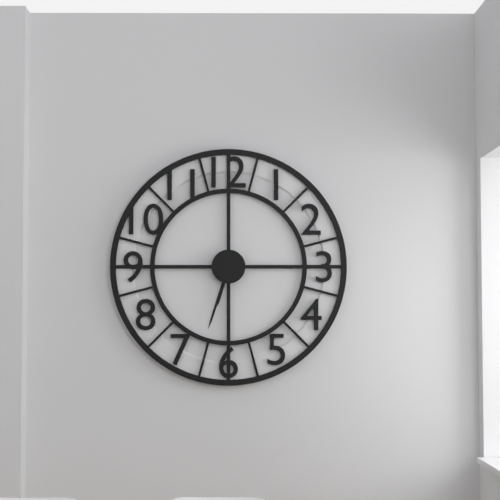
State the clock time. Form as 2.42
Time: 6.33
